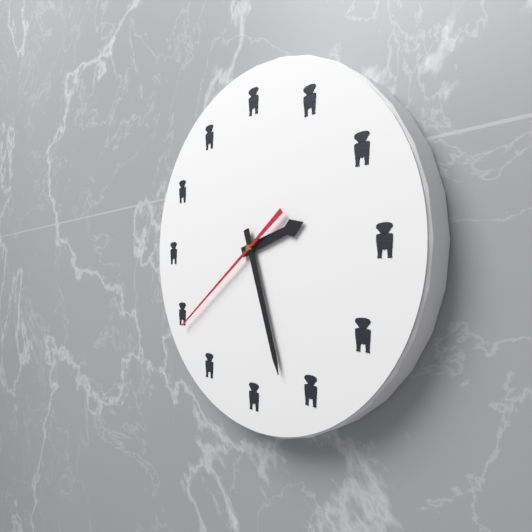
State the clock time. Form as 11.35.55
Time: 2.27.39
